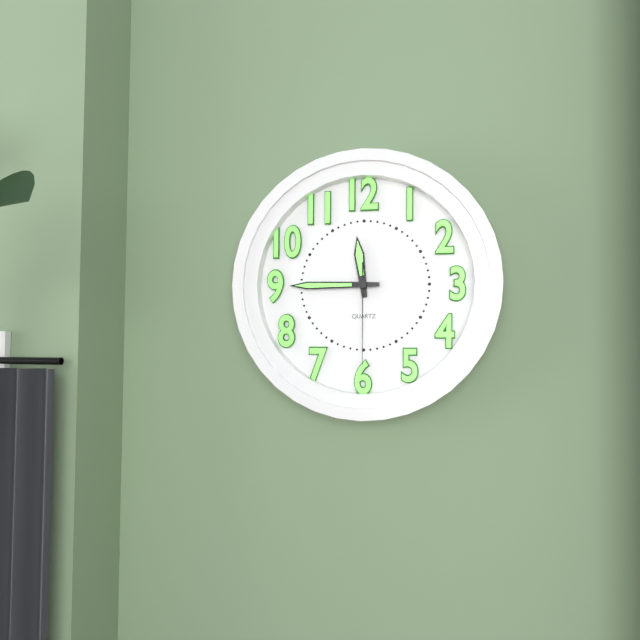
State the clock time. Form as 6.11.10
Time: 11.45.30
